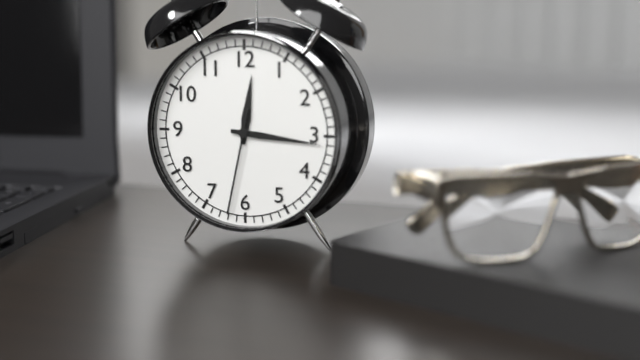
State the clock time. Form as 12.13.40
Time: 12.16.32
